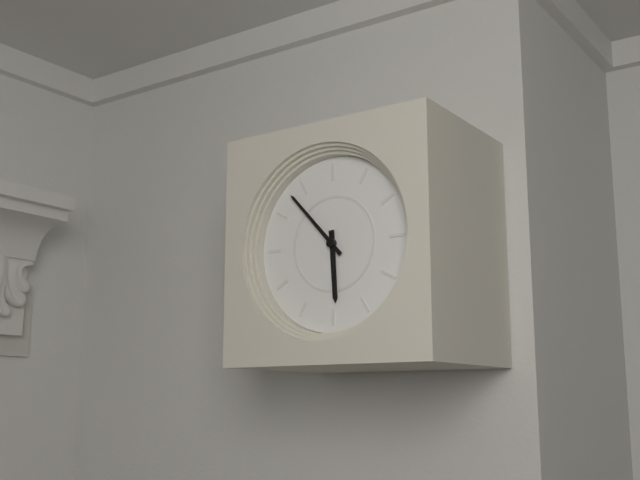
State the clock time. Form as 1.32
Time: 5.53
